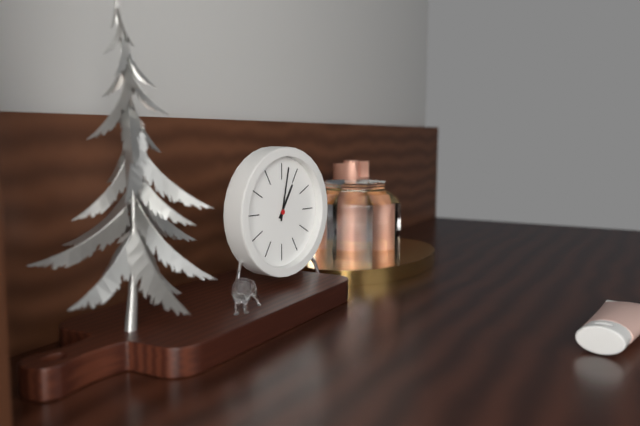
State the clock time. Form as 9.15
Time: 1.02
